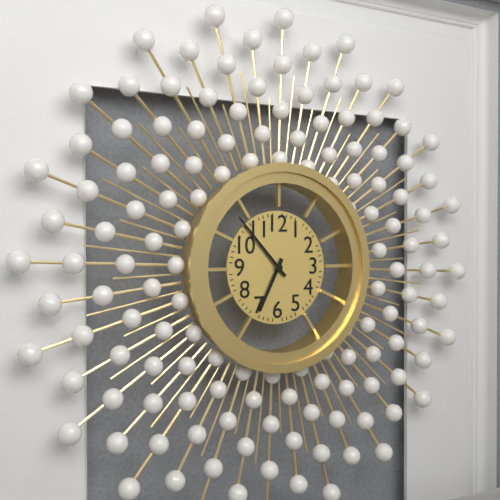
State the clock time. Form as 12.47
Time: 6.53
